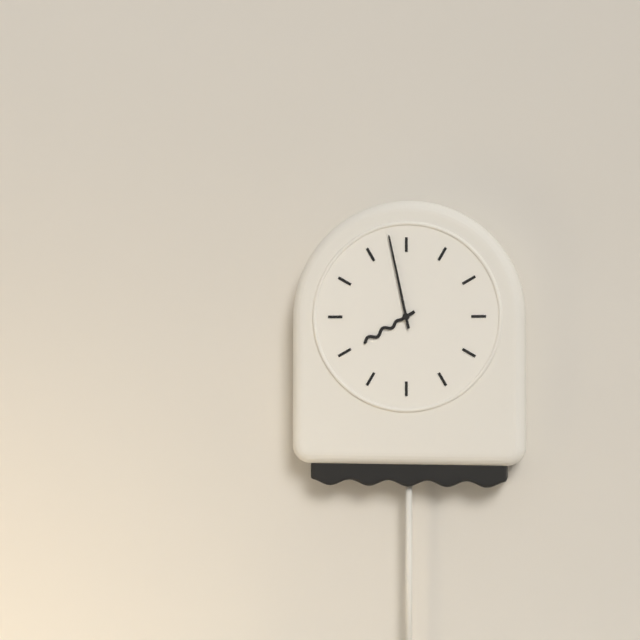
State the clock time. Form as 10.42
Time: 7.58
